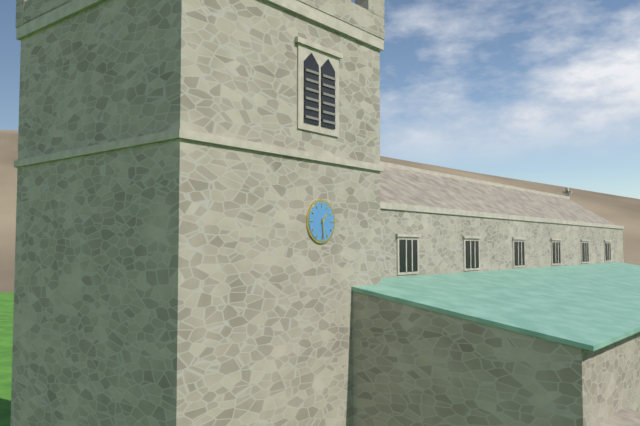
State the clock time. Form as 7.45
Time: 1.29
